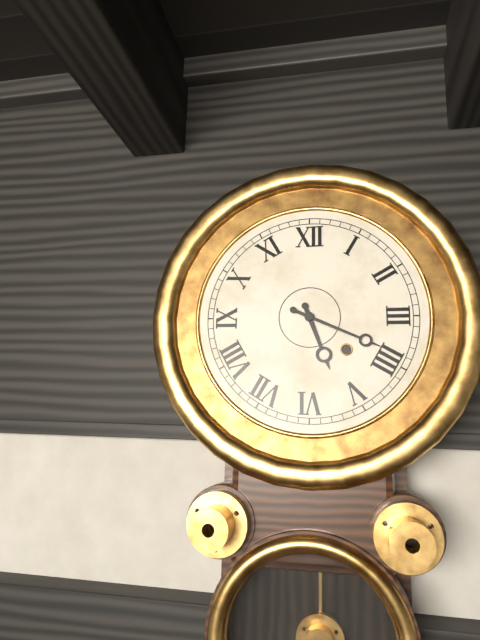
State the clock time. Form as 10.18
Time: 5.19
